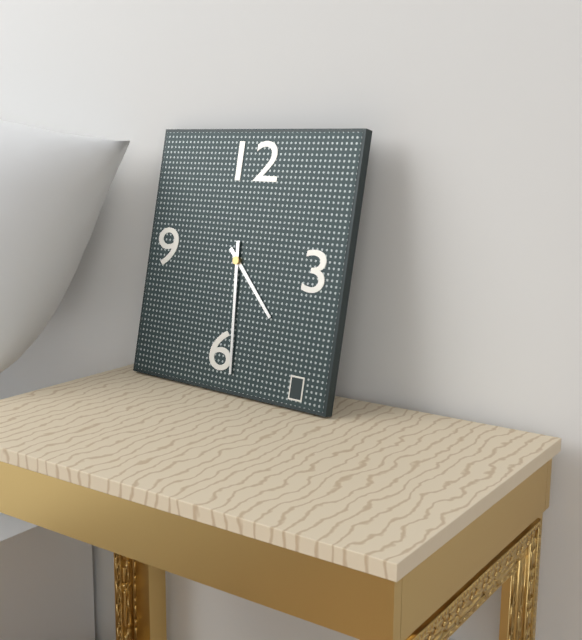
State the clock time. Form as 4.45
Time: 4.29
